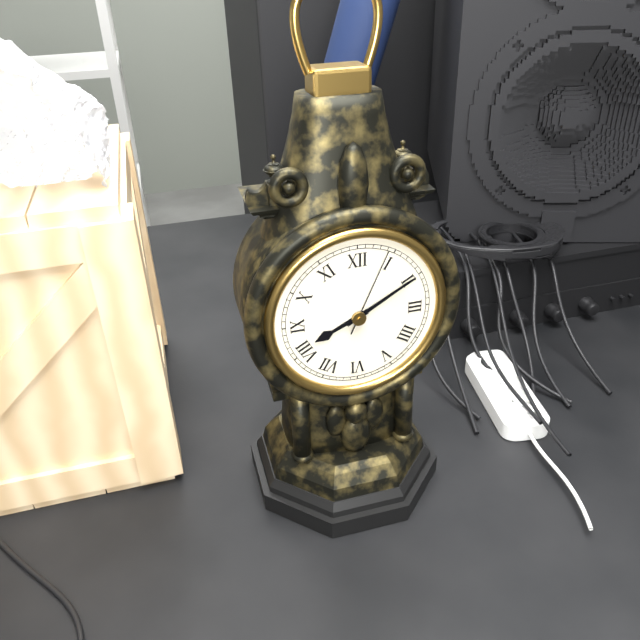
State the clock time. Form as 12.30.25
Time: 8.10.04
